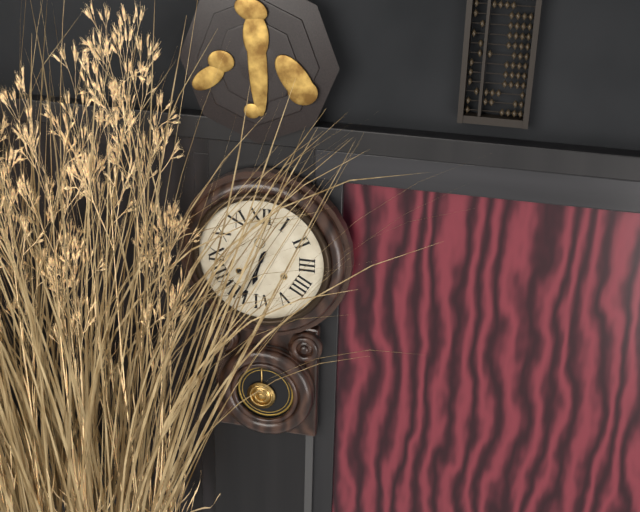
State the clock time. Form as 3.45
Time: 6.34
